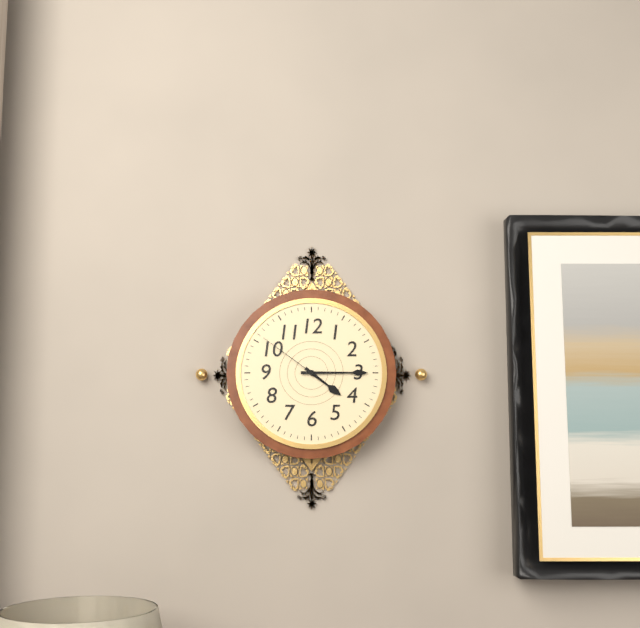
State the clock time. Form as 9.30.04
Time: 4.15.51
